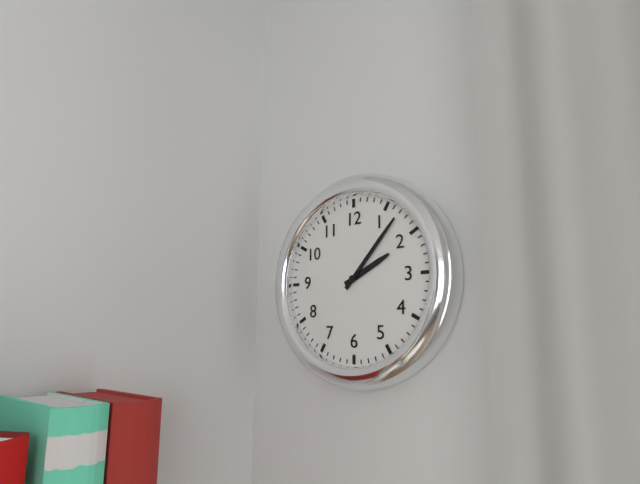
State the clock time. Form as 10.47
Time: 2.07
